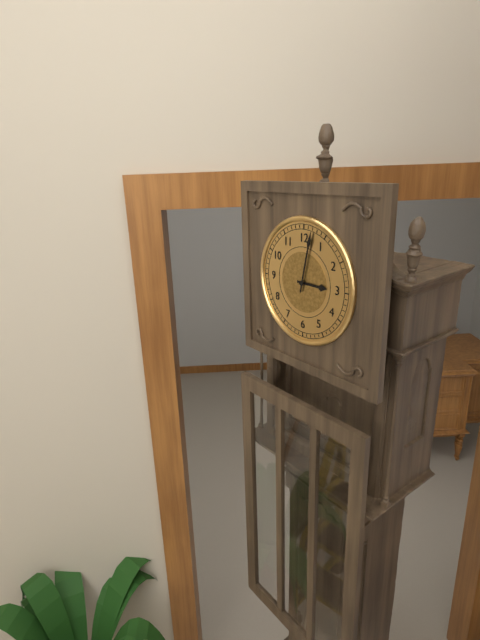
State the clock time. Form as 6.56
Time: 3.02
